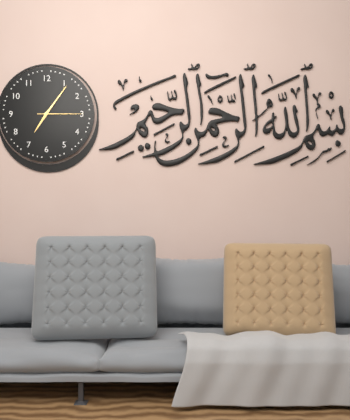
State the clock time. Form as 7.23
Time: 7.06
